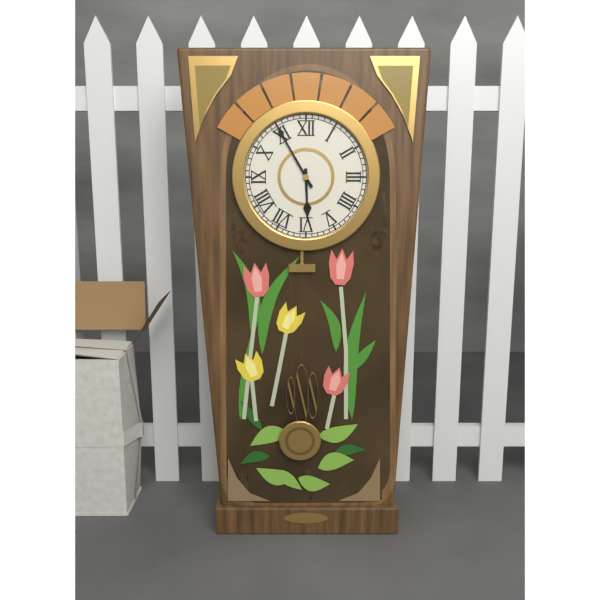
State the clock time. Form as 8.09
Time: 5.55
